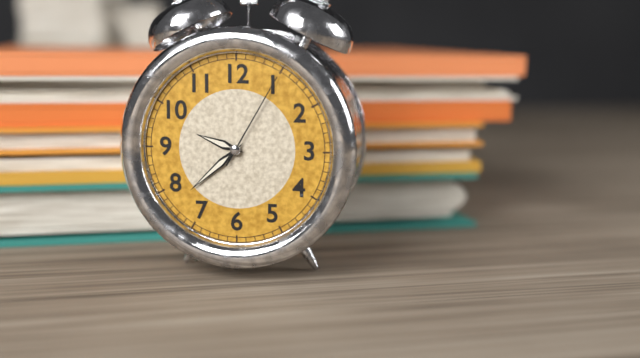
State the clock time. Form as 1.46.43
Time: 9.38.05
